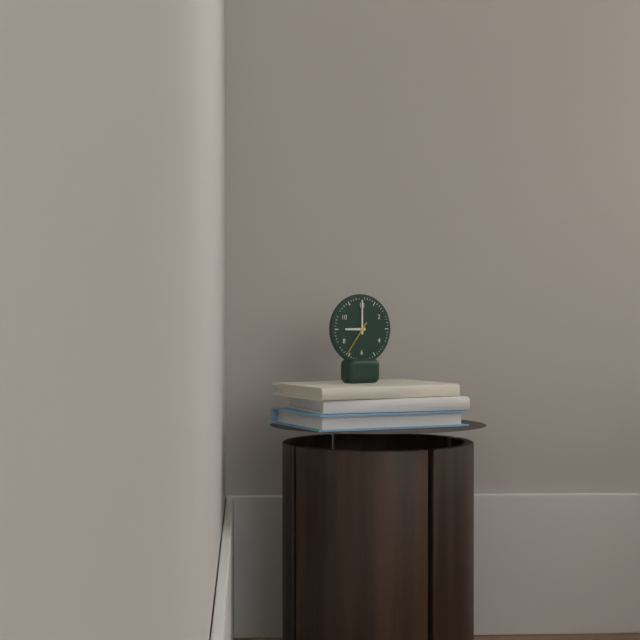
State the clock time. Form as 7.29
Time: 9.00
